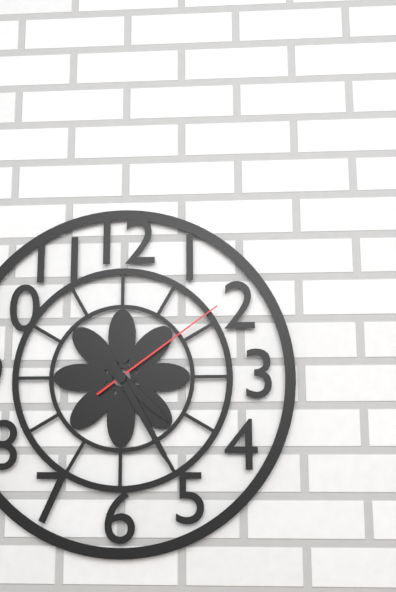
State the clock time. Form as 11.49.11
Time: 4.25.09
